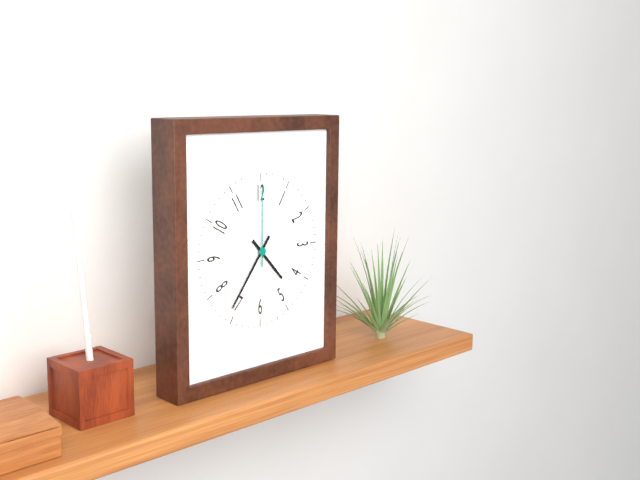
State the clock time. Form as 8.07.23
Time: 4.36.00
